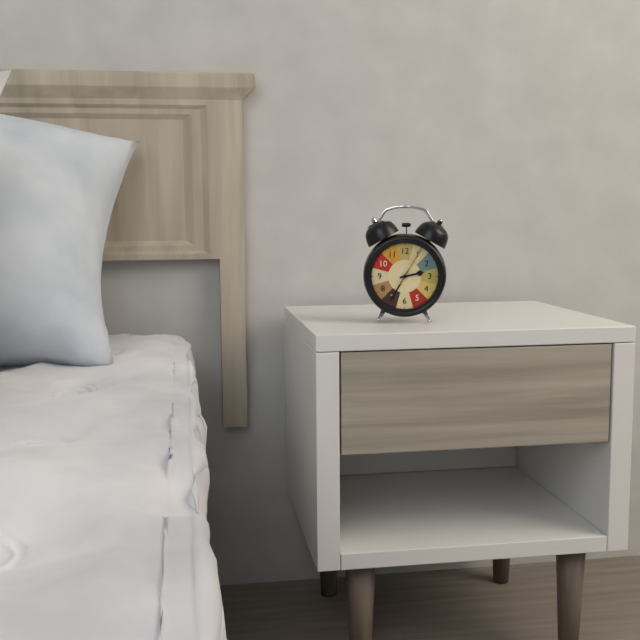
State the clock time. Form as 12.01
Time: 2.35
